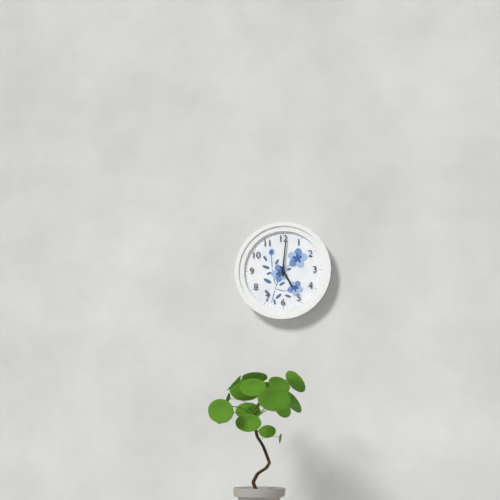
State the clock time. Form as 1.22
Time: 5.01
